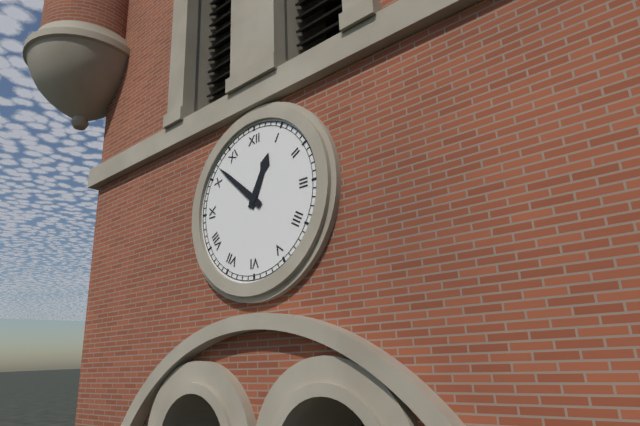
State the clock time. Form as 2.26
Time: 12.52
